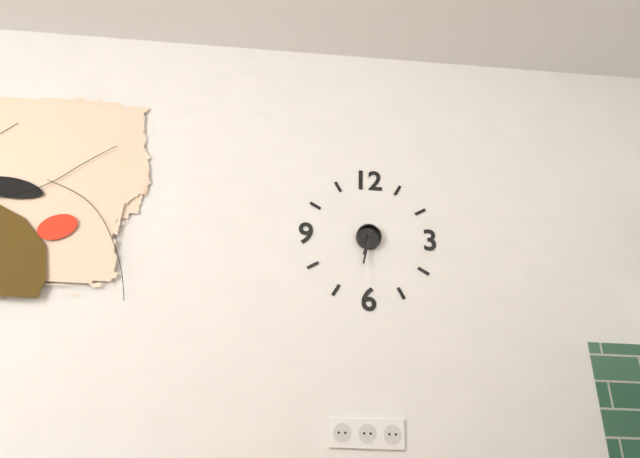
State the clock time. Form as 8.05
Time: 6.32
